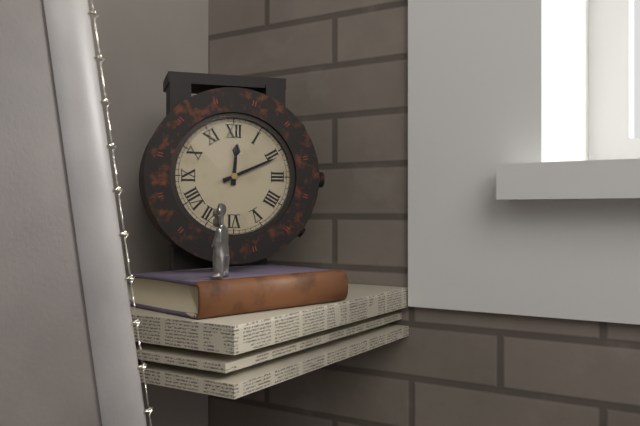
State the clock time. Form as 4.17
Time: 12.11
